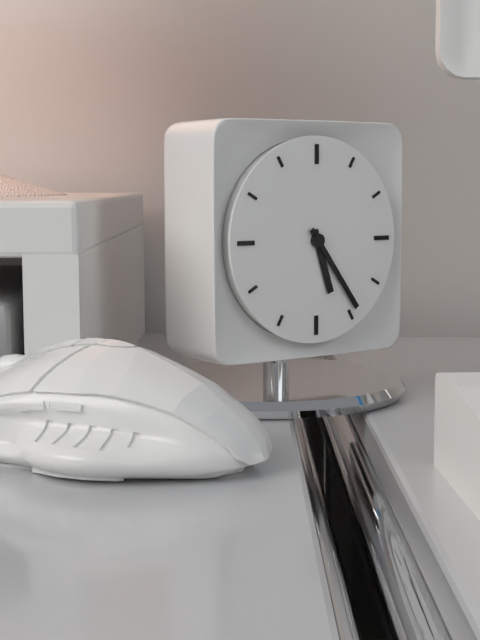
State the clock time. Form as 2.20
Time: 5.24
